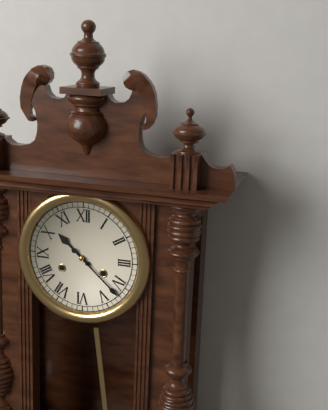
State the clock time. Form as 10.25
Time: 10.22
